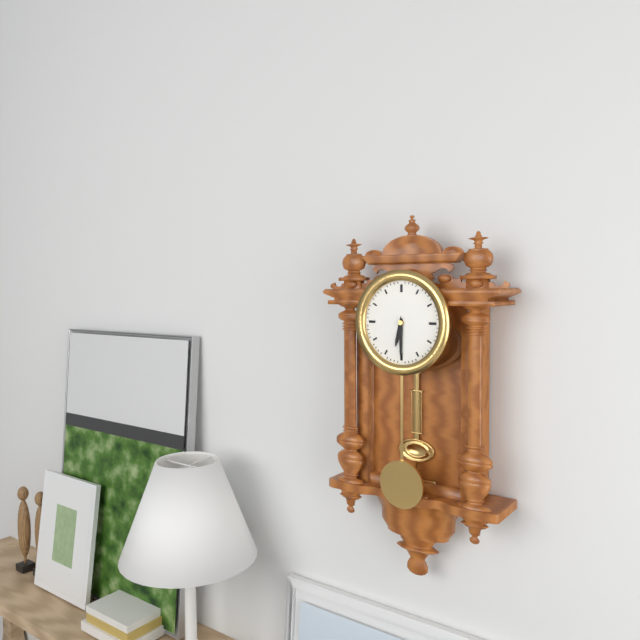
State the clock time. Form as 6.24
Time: 6.30
